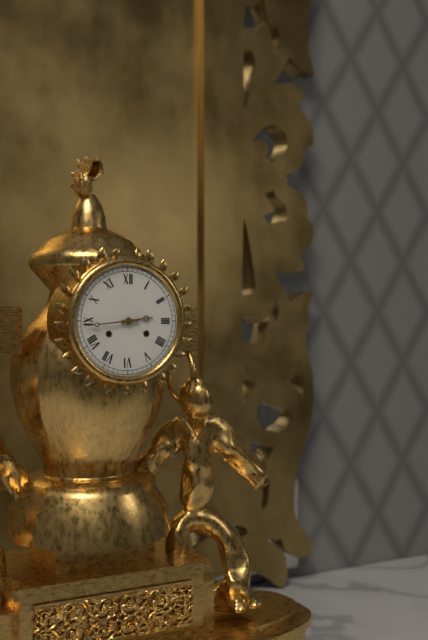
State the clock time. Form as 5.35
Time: 2.44
